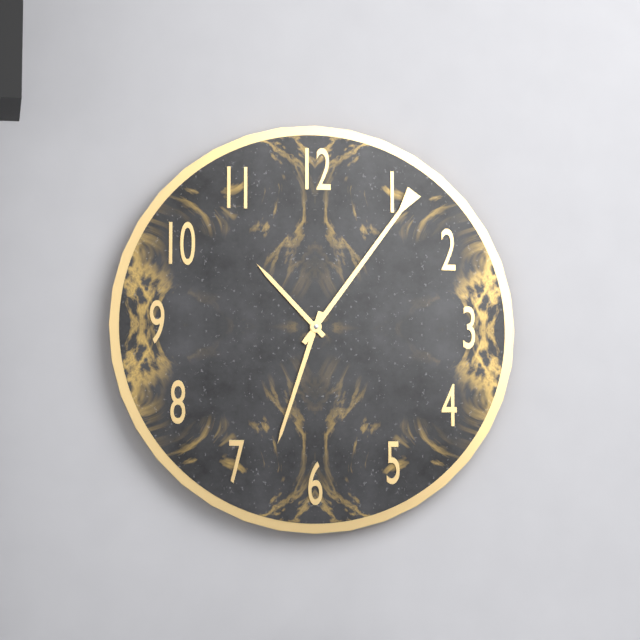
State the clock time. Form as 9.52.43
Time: 10.33.06
